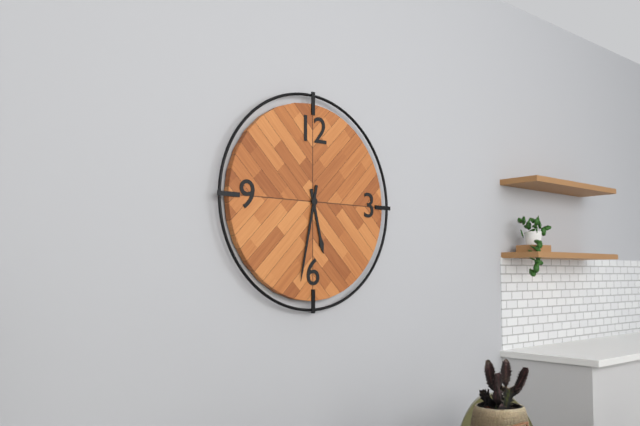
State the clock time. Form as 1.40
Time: 5.32
